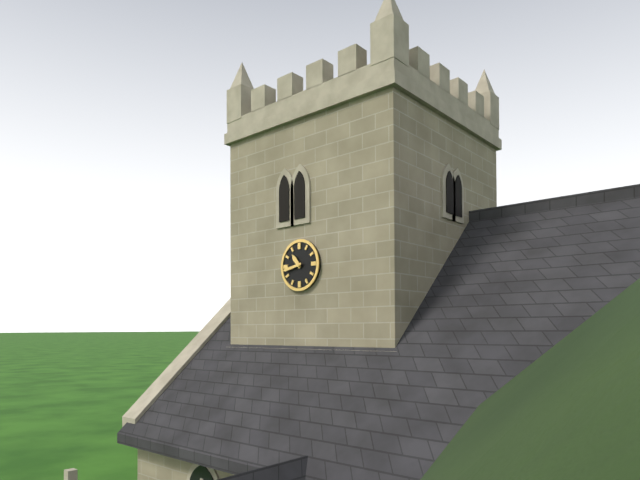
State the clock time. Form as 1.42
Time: 10.43
